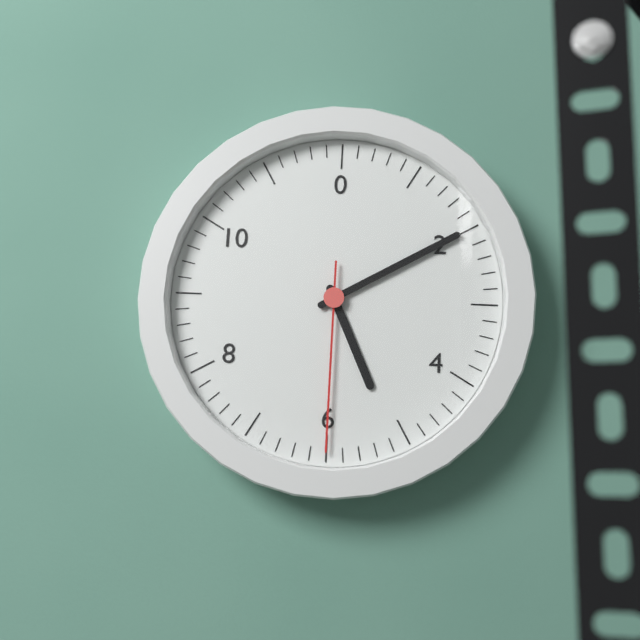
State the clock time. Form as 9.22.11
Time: 5.10.30
